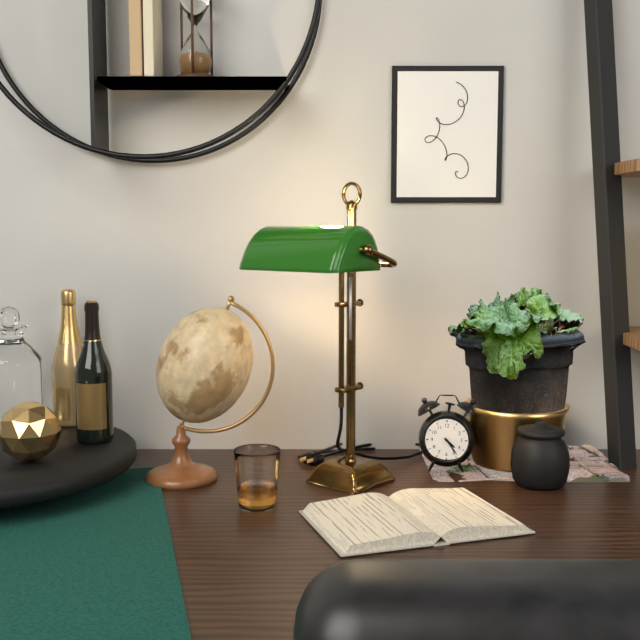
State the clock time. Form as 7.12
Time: 4.24
